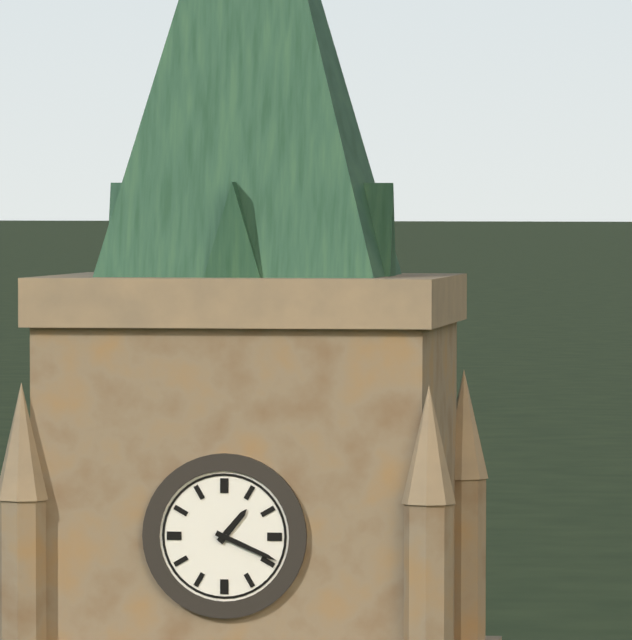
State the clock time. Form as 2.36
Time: 1.19
